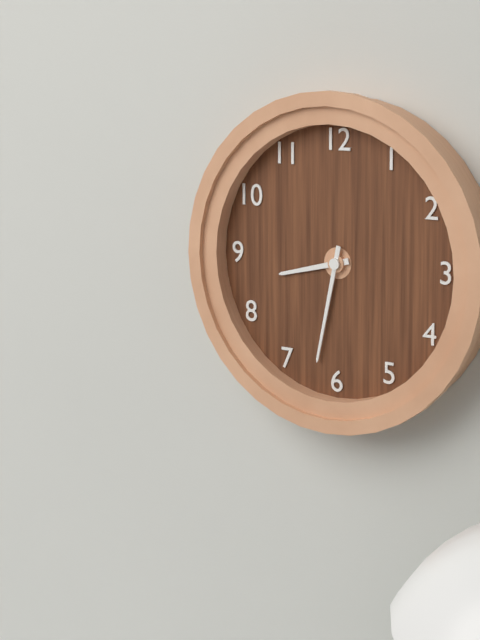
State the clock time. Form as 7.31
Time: 8.32
